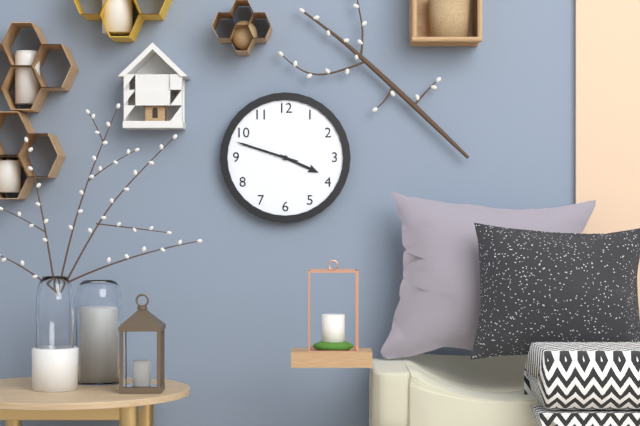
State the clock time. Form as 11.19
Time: 3.48
